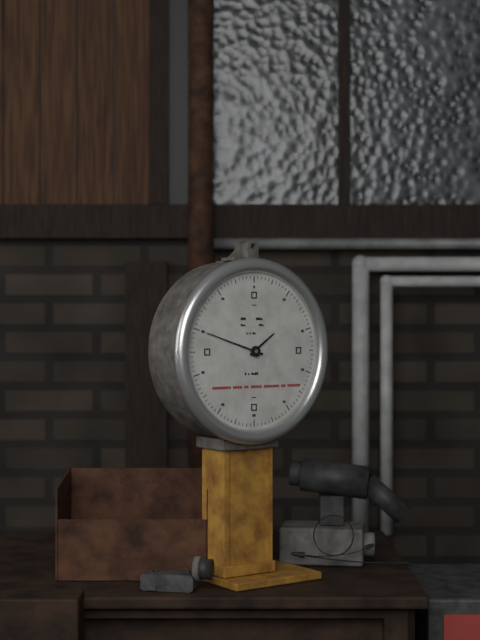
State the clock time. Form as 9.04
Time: 1.48
